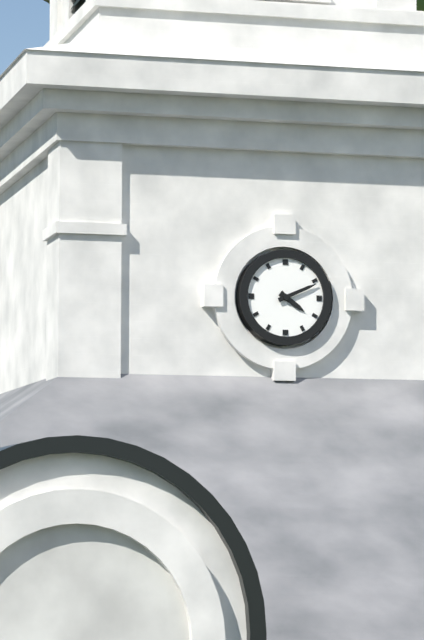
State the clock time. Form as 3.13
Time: 4.11
